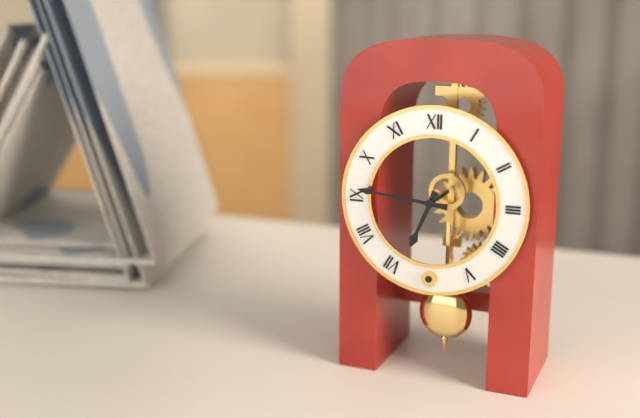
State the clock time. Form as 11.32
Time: 6.46
